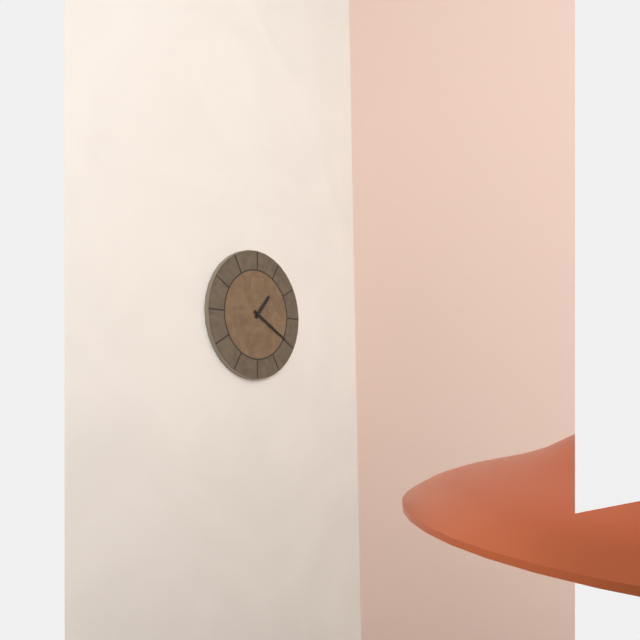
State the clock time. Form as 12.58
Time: 1.20
